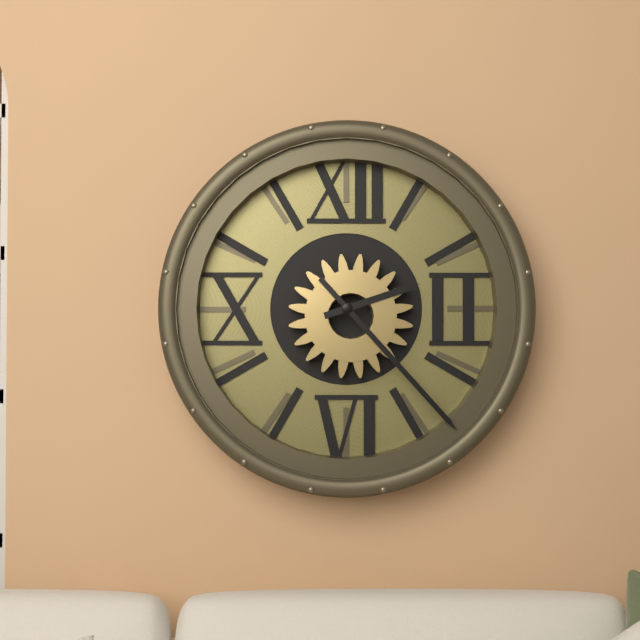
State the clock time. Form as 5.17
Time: 2.23
